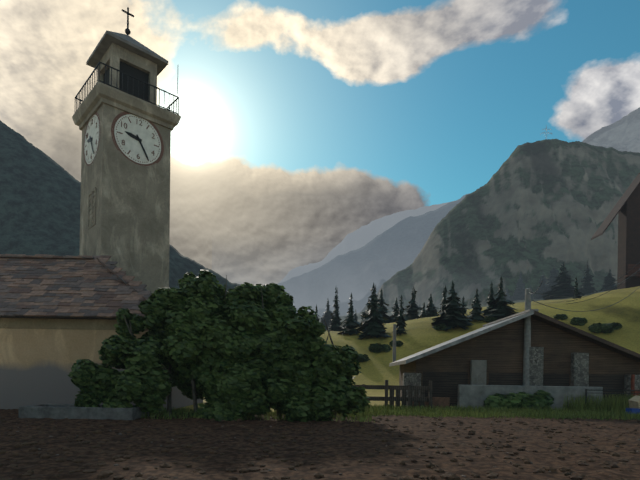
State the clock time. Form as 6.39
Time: 9.25
